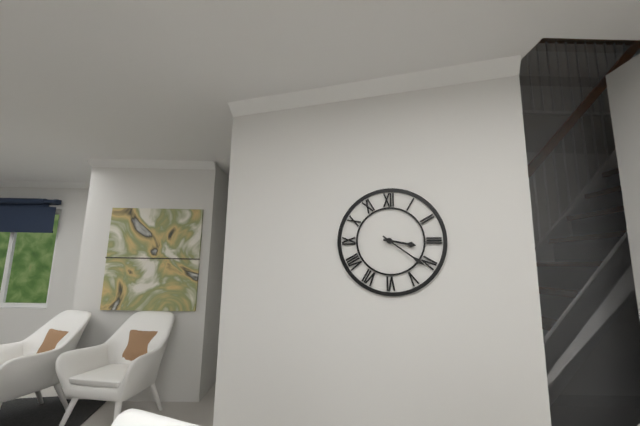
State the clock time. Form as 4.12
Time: 3.21
